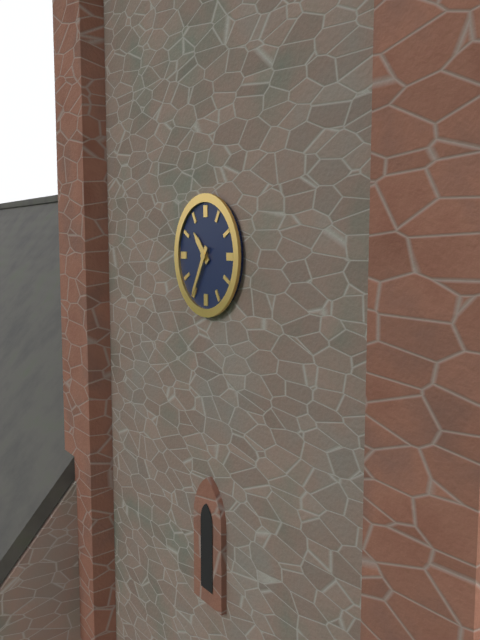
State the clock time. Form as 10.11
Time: 10.35
